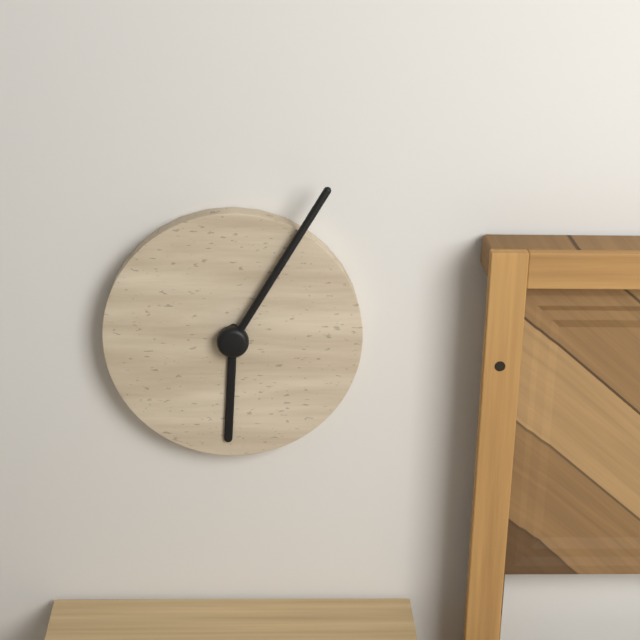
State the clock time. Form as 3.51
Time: 6.05
